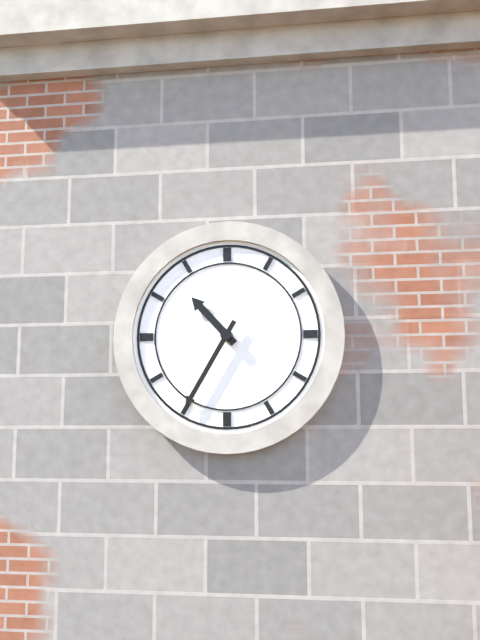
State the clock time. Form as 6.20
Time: 10.35
